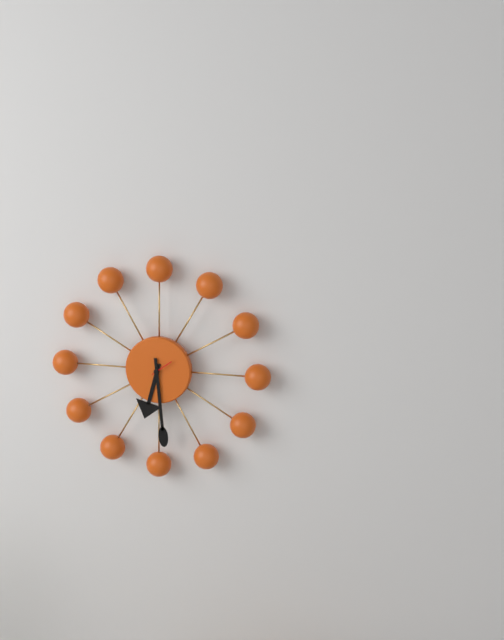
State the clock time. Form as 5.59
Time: 6.29
